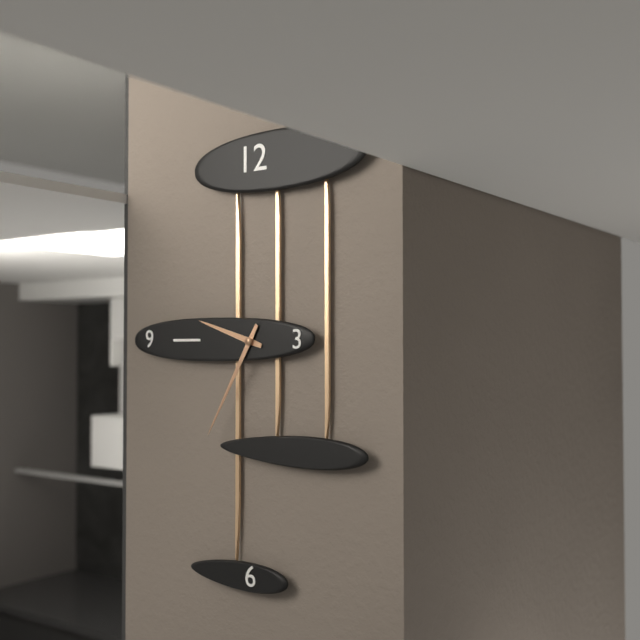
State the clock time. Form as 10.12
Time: 9.35
